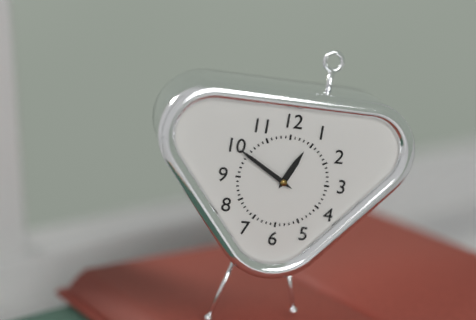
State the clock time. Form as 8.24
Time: 12.50
